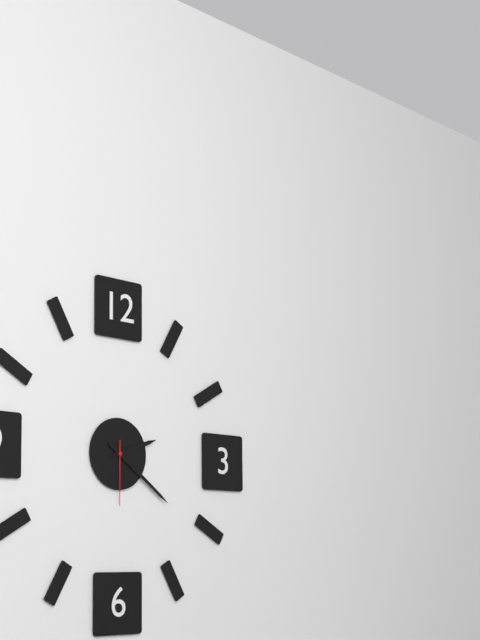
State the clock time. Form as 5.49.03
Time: 2.21.30
